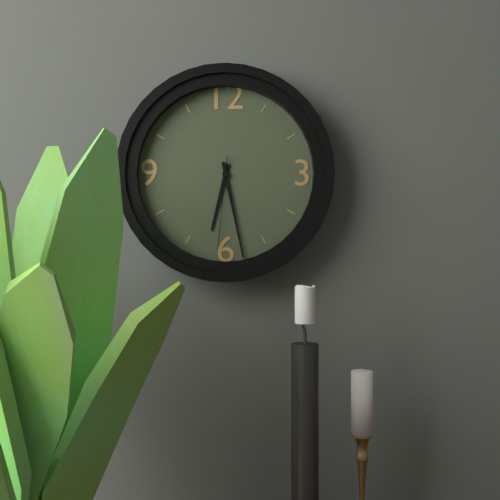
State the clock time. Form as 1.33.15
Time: 6.28.31
